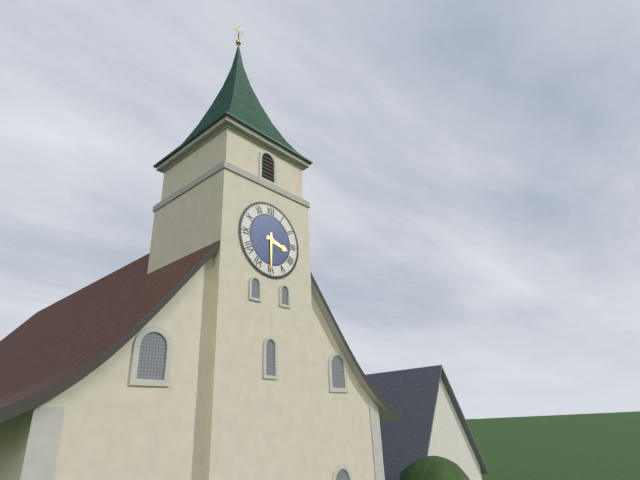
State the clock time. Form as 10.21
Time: 3.30
